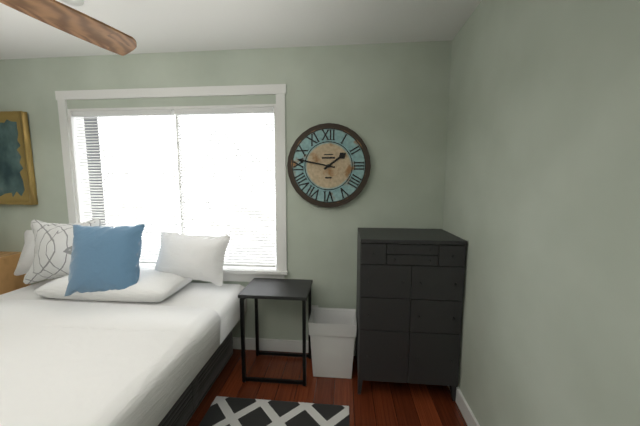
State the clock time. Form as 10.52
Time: 1.47
